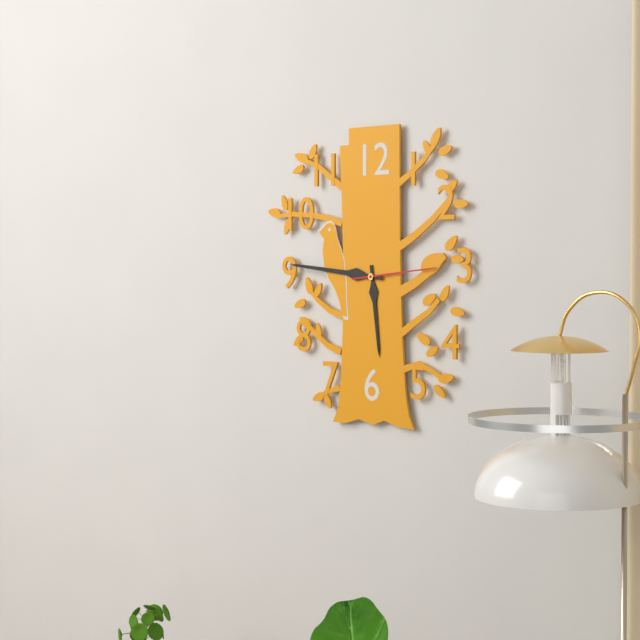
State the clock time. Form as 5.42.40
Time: 5.46.14
